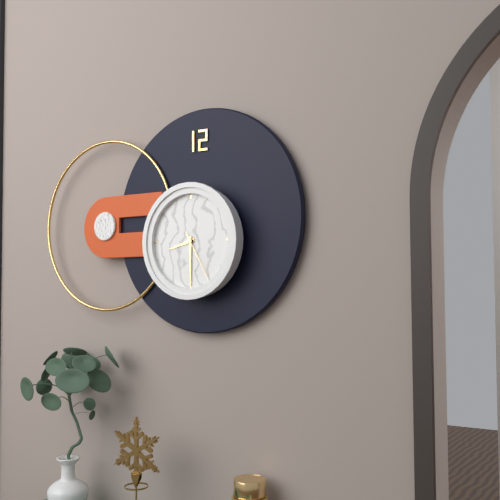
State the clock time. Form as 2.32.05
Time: 8.30.25
